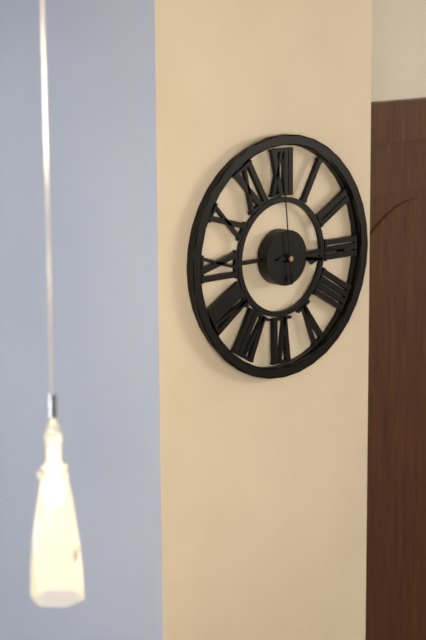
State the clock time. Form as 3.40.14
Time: 3.15.59
